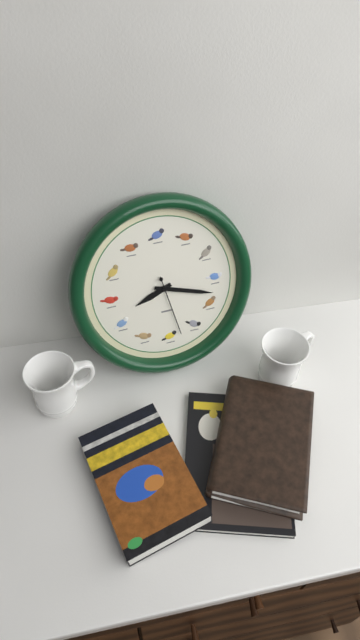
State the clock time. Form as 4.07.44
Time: 8.18.28
